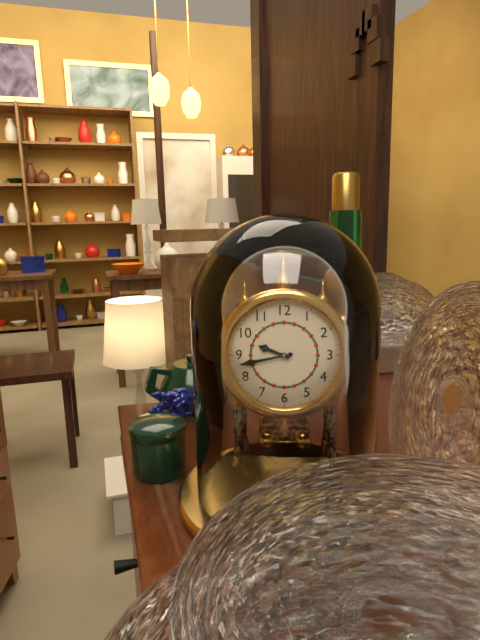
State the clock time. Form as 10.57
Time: 9.43
